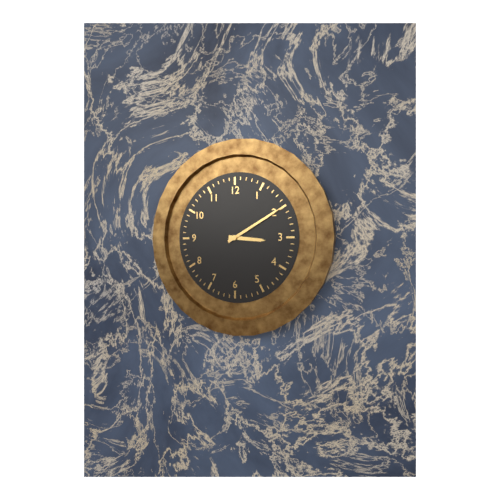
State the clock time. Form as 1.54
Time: 3.10
